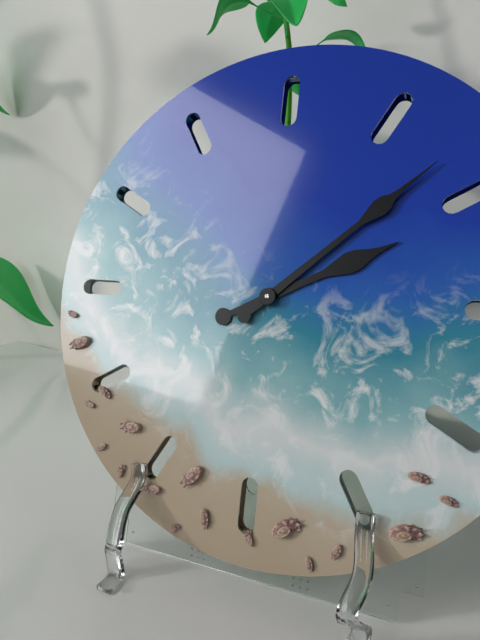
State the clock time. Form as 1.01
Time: 2.08
